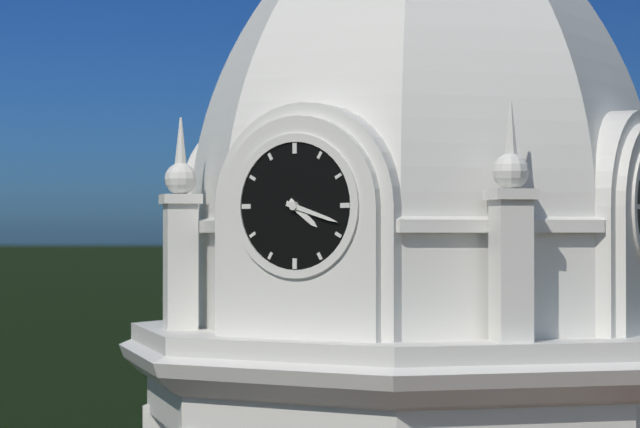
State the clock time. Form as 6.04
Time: 4.18
